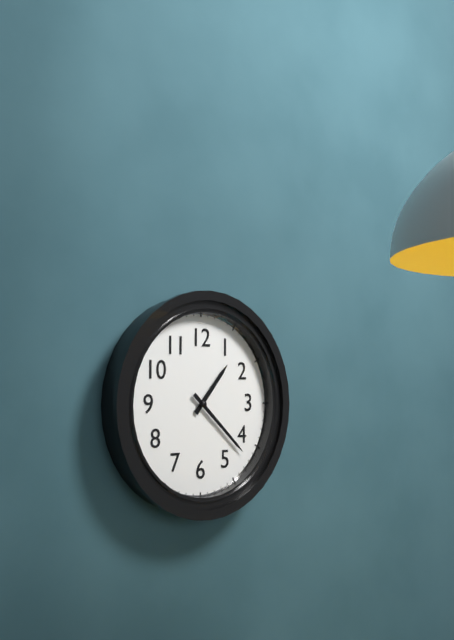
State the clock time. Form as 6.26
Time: 1.22
